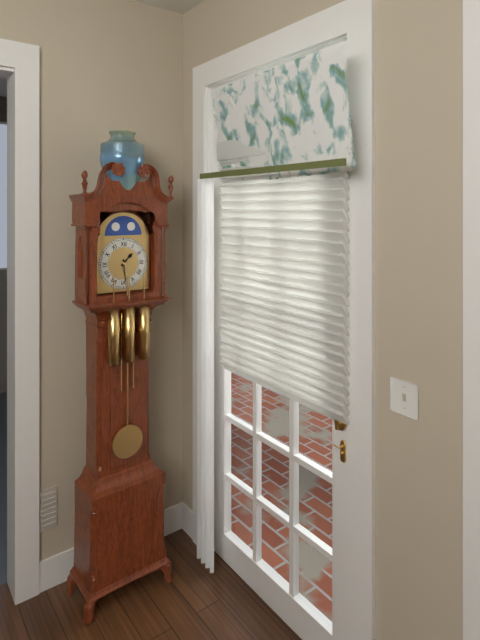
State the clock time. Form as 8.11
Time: 1.29
